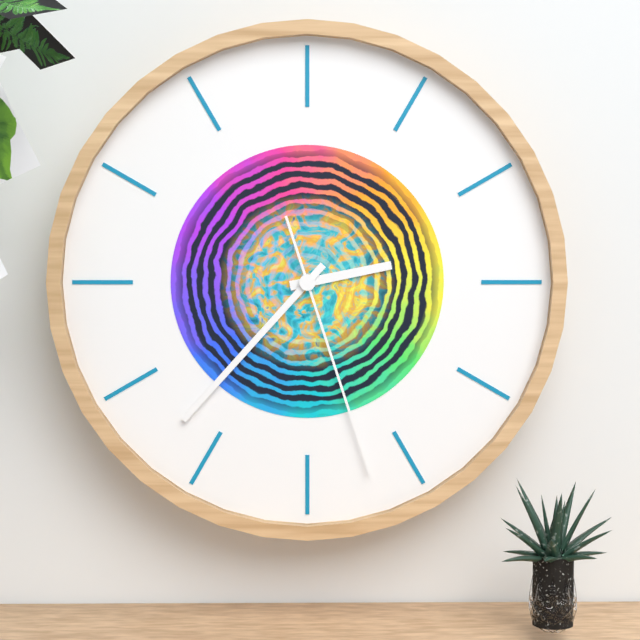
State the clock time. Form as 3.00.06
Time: 2.37.27
